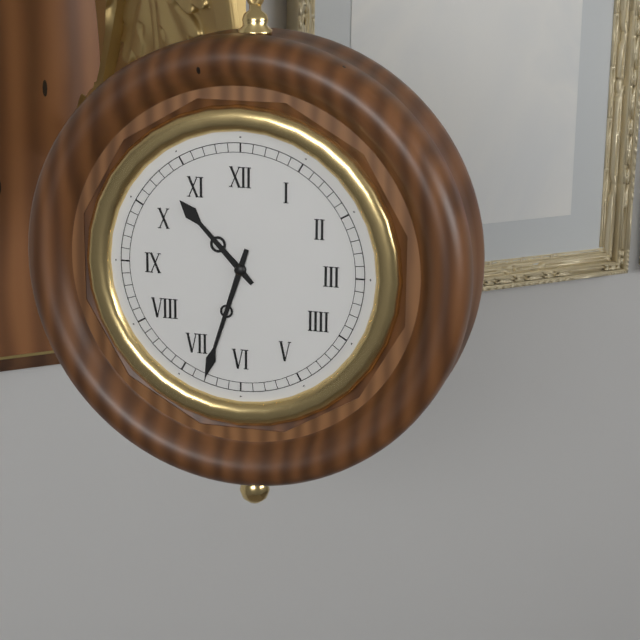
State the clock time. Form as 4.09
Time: 10.33
